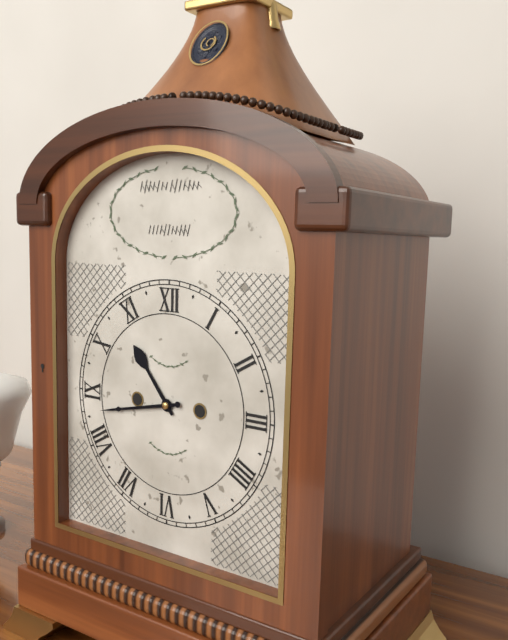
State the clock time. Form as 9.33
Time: 10.43
